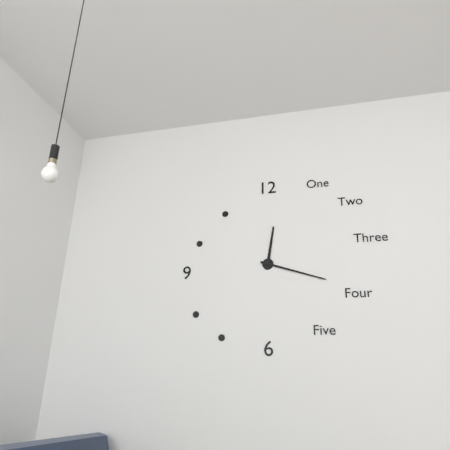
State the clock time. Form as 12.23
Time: 12.18
